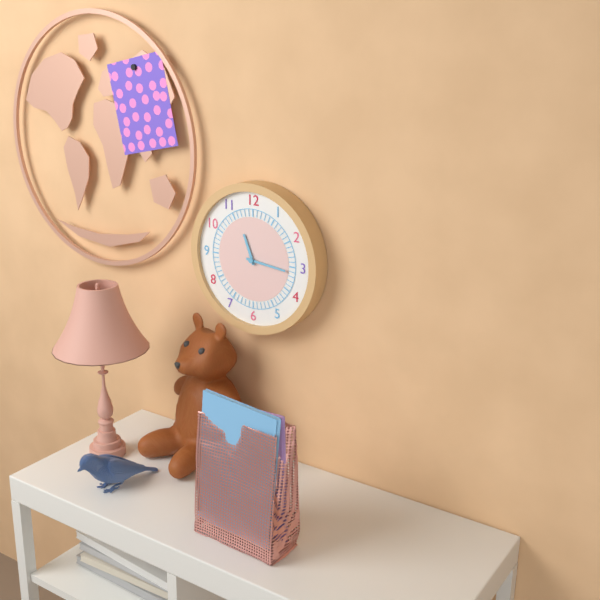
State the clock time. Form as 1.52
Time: 11.16
